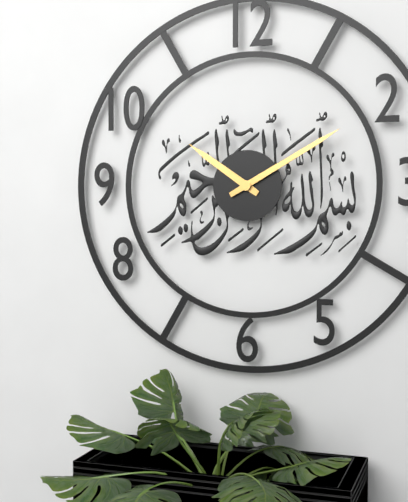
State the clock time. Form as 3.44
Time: 10.10
